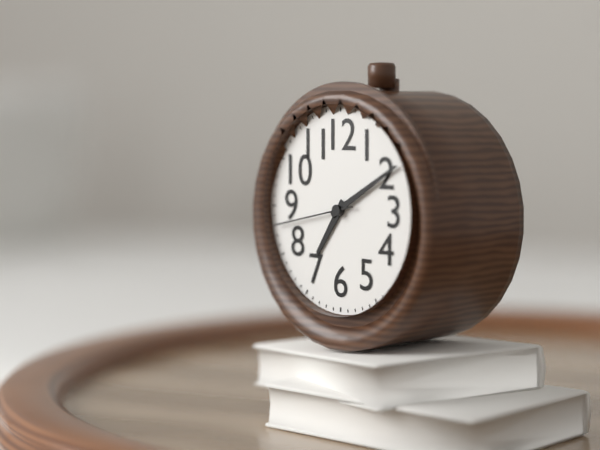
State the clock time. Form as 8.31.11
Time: 7.10.43
